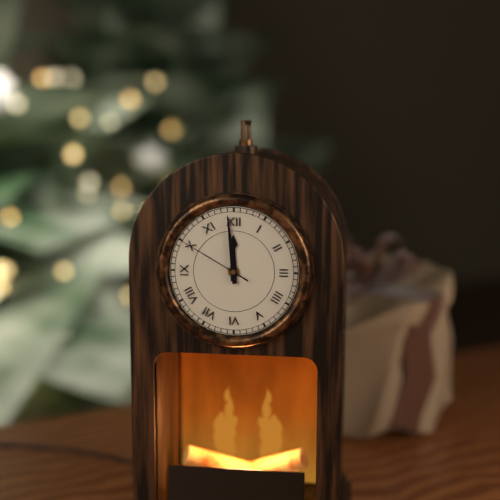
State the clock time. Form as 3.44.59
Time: 11.59.50
